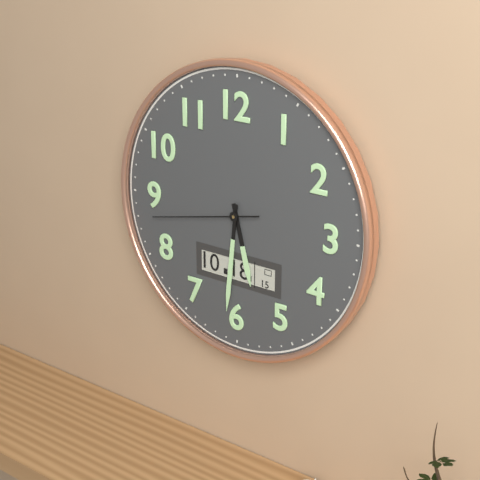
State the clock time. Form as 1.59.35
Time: 5.31.43
